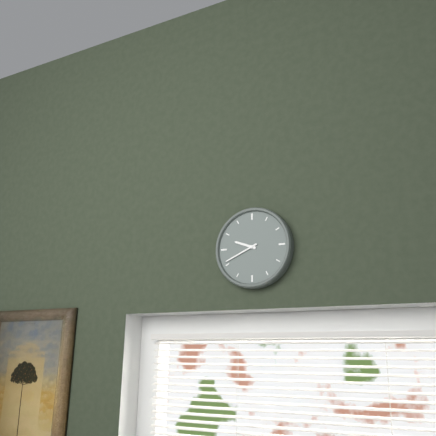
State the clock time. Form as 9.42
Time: 9.41
